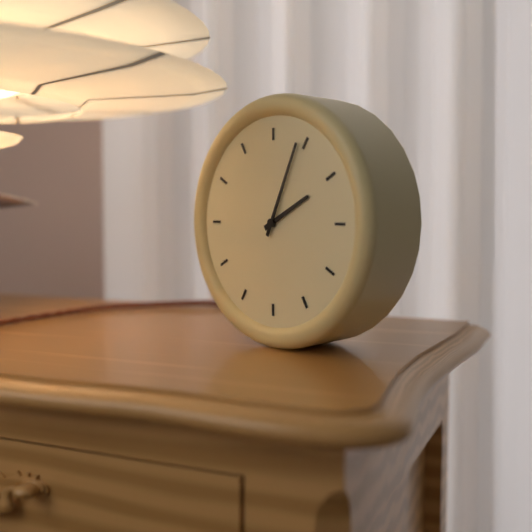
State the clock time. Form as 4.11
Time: 2.04
